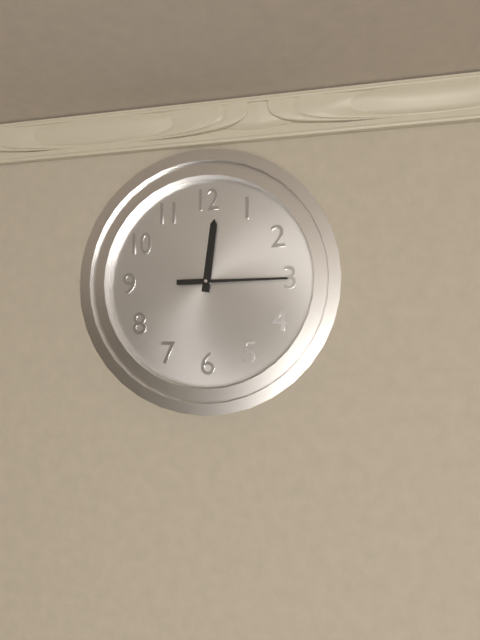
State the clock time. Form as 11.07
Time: 12.15
